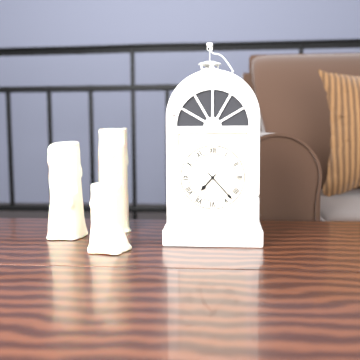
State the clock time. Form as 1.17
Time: 7.23
